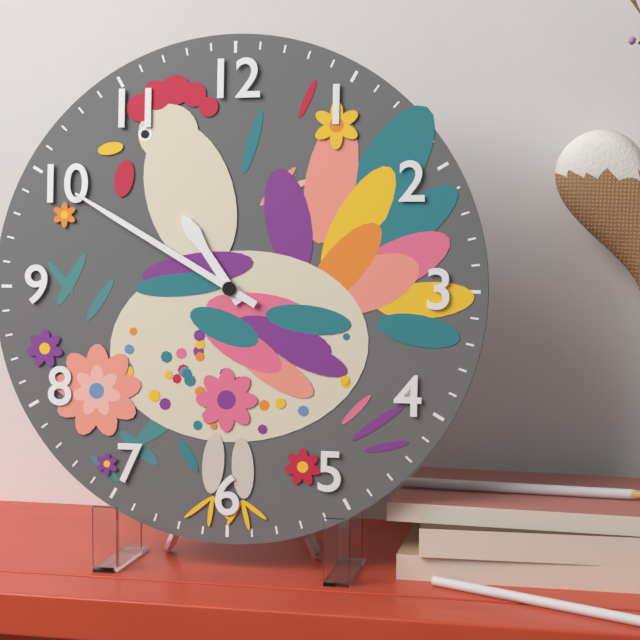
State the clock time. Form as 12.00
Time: 10.50
